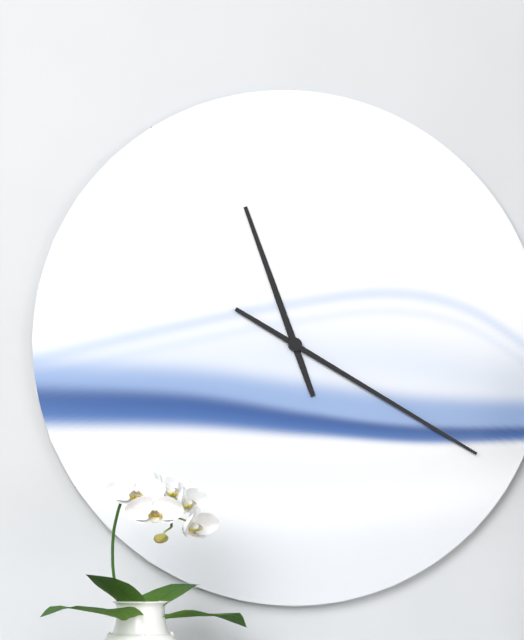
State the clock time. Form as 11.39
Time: 11.20
